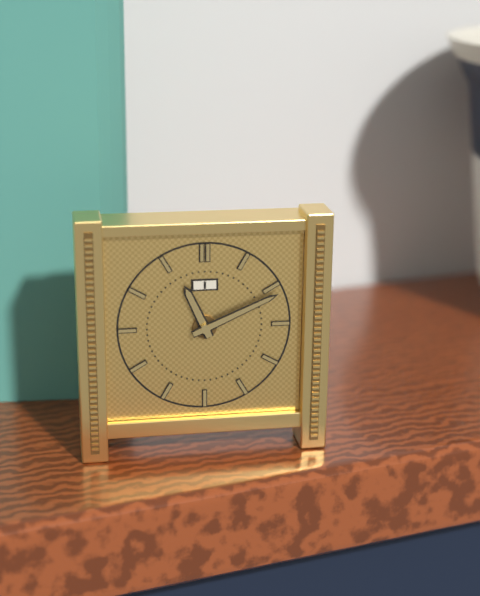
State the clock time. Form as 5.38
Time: 11.11
